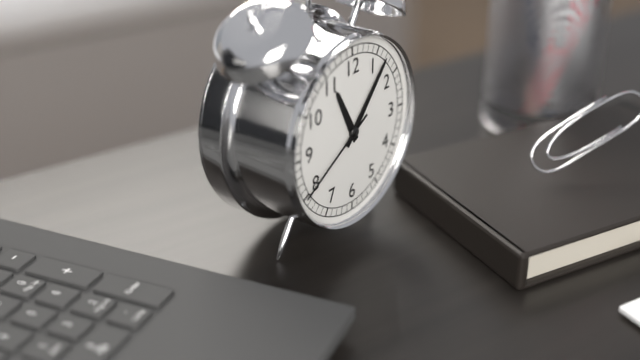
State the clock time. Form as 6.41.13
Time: 11.07.40
